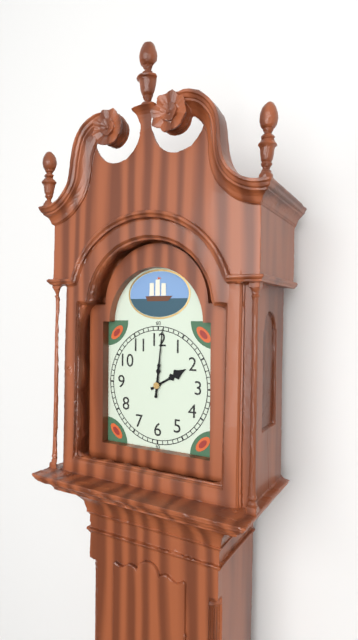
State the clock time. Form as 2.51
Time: 2.01
